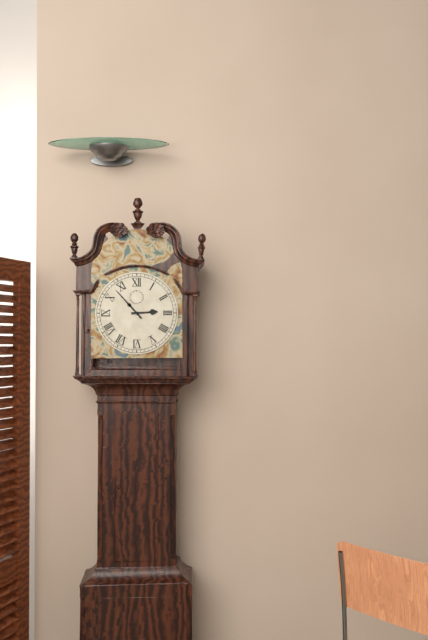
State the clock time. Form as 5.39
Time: 2.53
